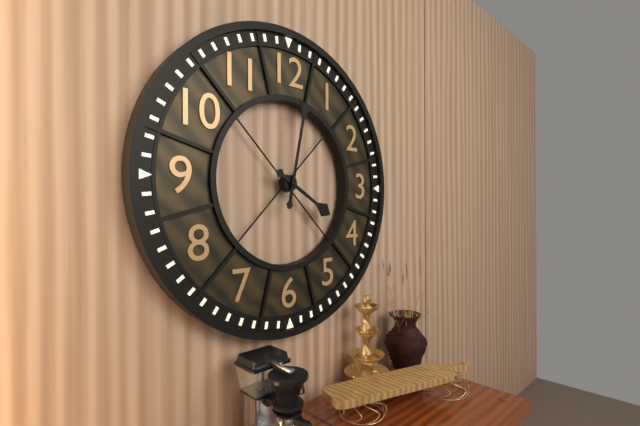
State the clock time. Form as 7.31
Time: 4.02
